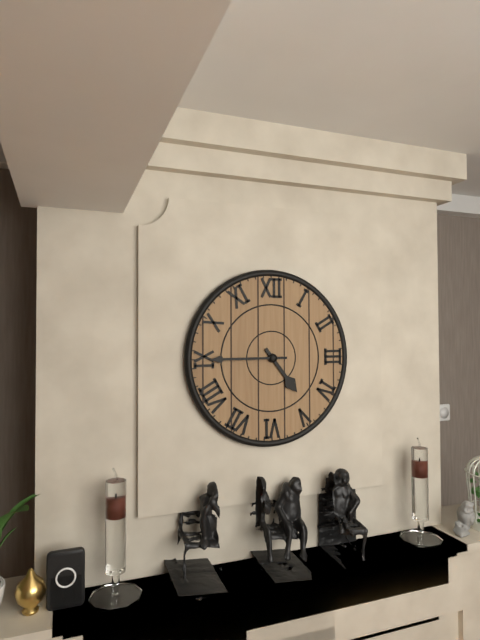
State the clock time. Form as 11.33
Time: 4.45
